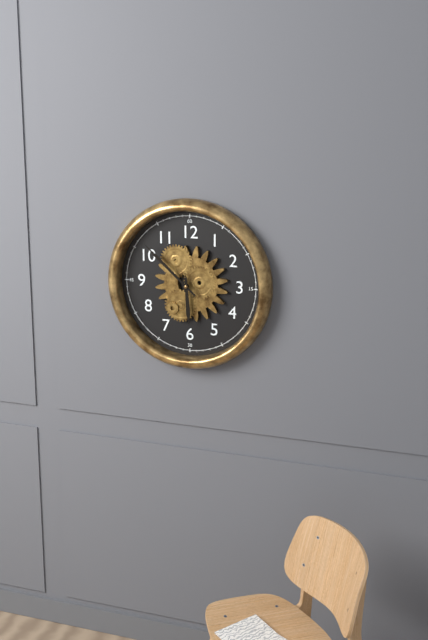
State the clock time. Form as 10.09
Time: 5.52
